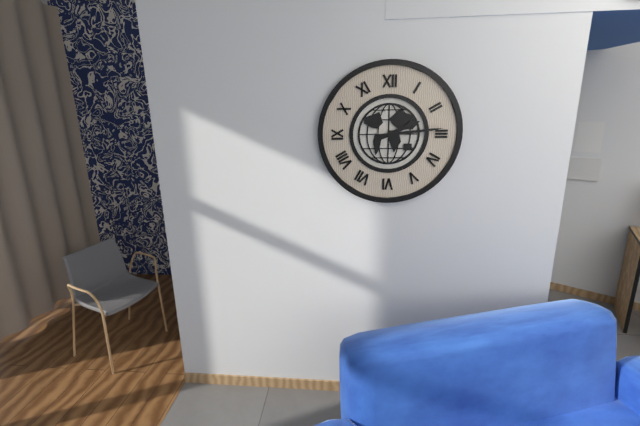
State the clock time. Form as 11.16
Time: 2.14
